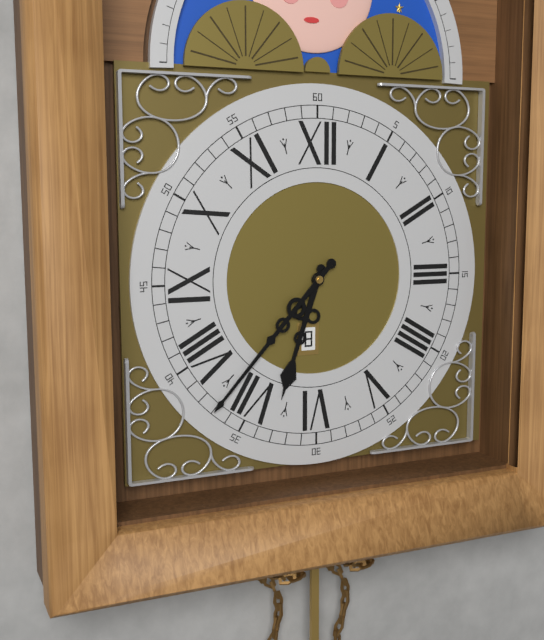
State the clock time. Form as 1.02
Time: 6.37
